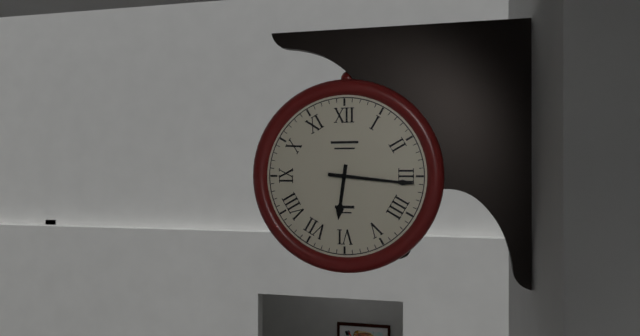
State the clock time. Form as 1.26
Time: 6.16
